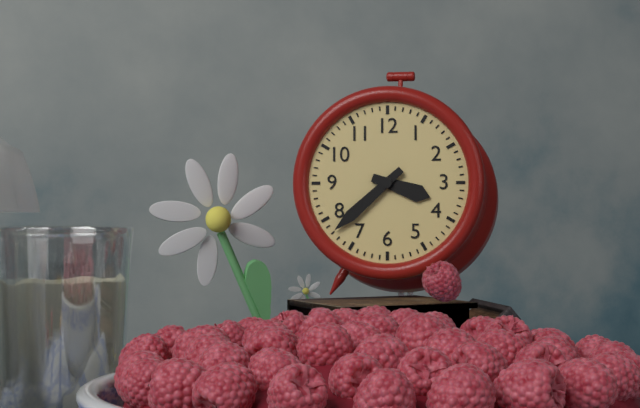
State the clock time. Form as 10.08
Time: 3.38
